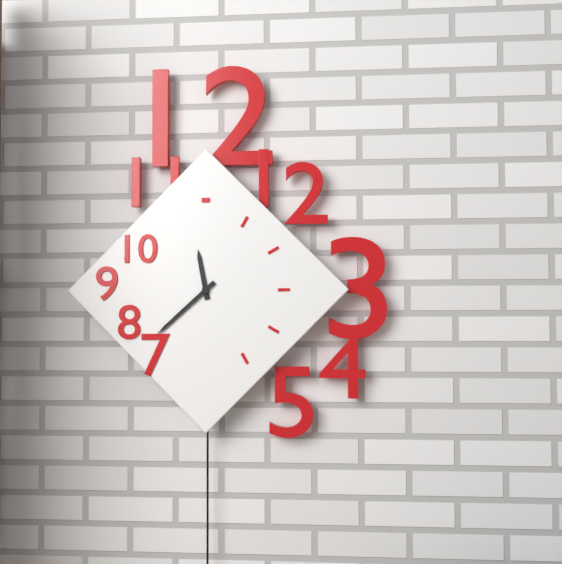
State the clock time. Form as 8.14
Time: 11.38
